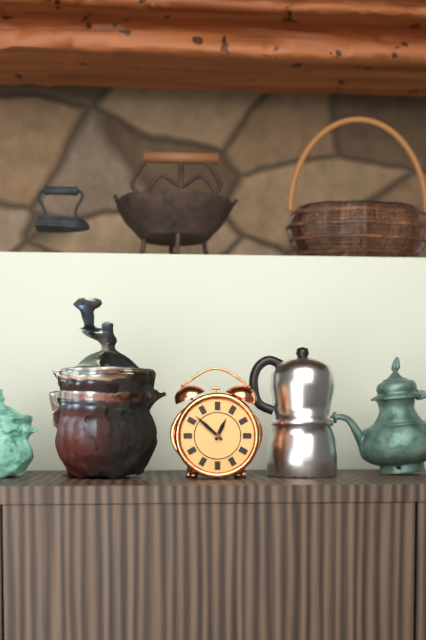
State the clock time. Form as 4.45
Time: 12.52
